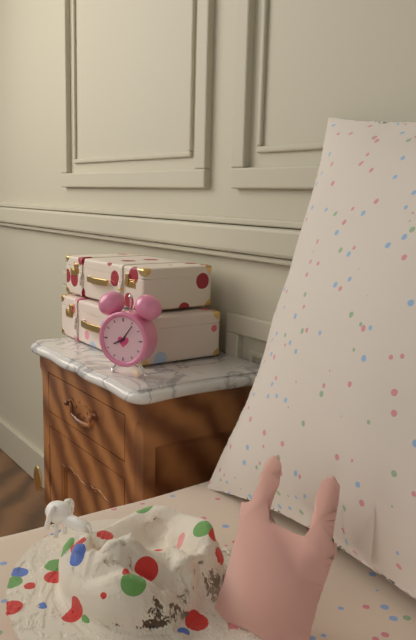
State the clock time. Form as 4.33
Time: 8.06
